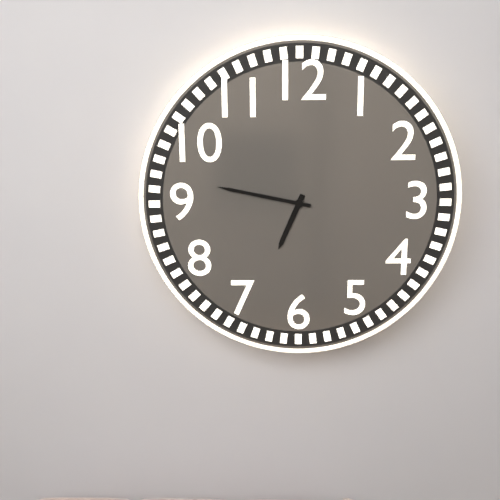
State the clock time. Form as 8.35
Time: 6.47
